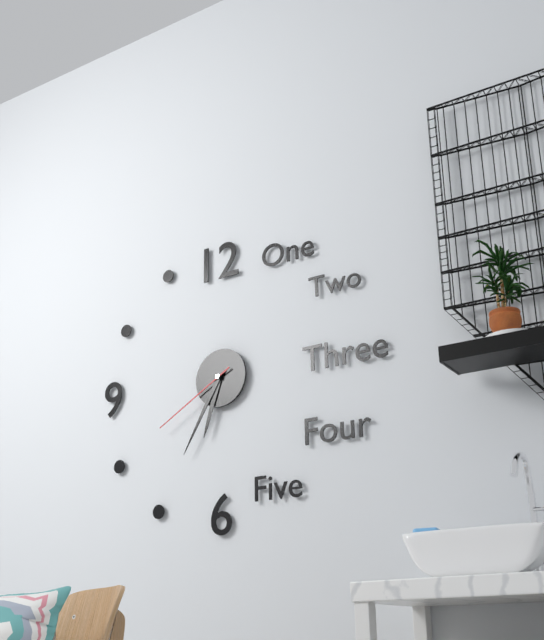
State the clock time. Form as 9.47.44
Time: 6.35.40
